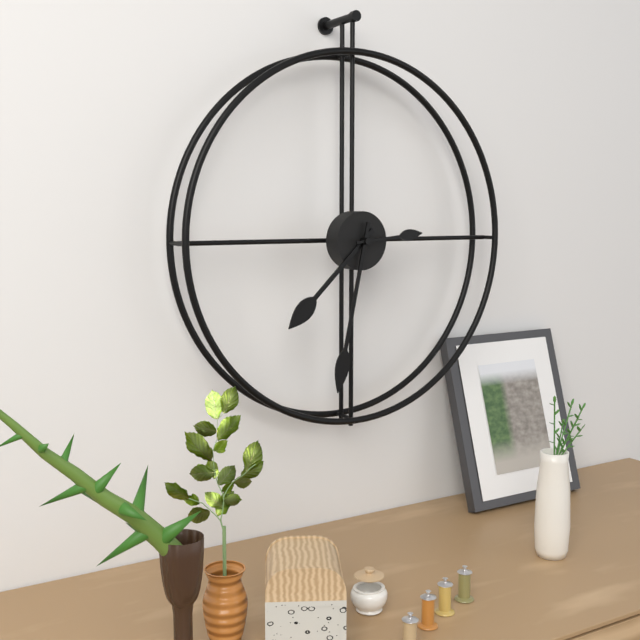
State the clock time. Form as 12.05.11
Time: 7.32.14
